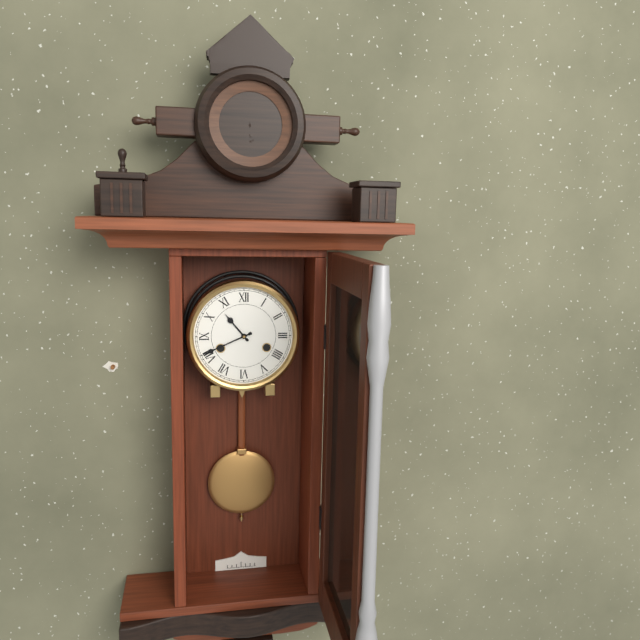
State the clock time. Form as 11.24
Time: 10.41
